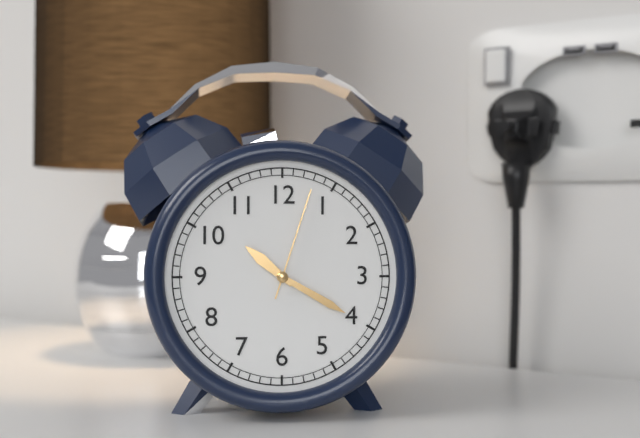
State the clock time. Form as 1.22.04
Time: 10.20.03
